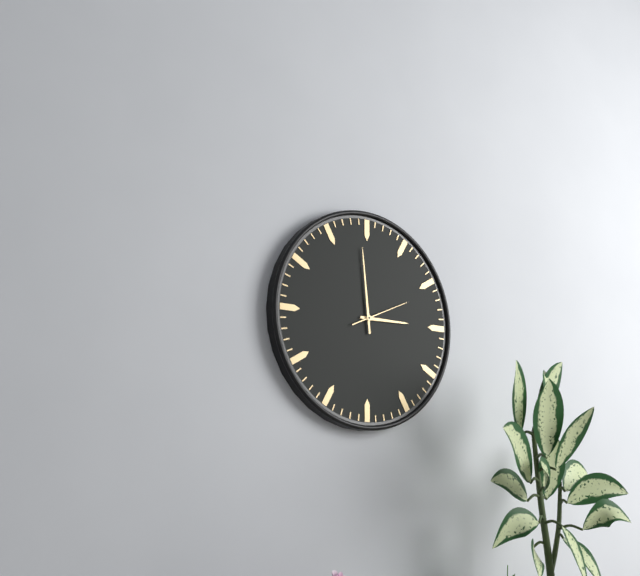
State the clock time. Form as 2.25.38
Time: 2.59.11
